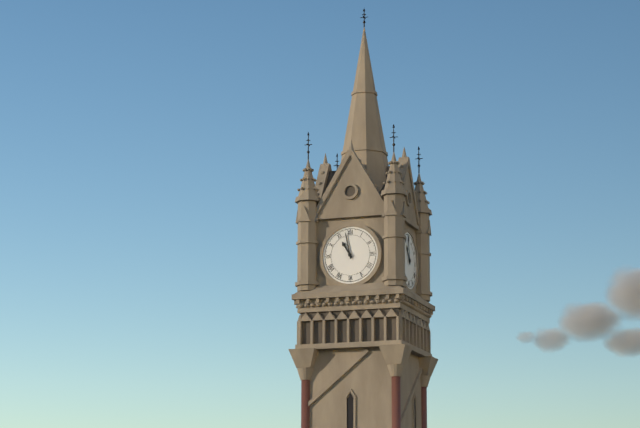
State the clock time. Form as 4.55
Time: 10.58
